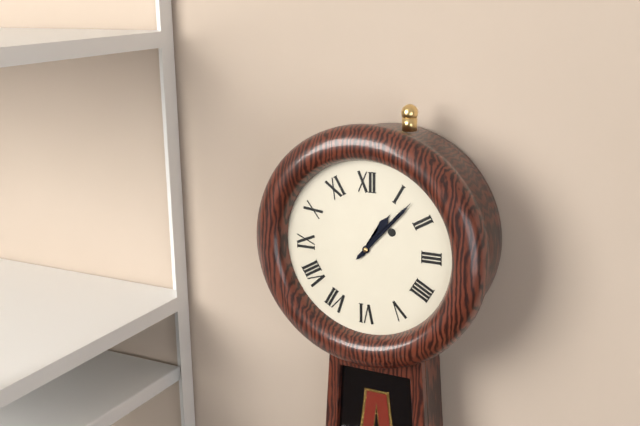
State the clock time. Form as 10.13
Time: 1.07
